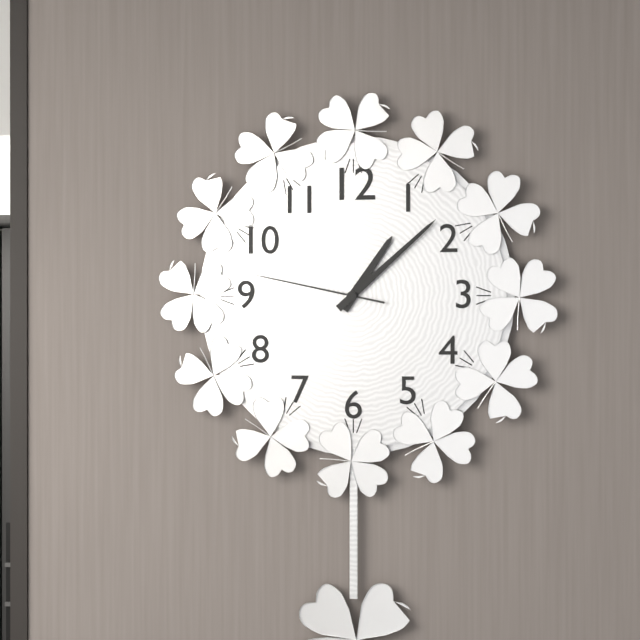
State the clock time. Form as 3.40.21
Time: 1.08.47
